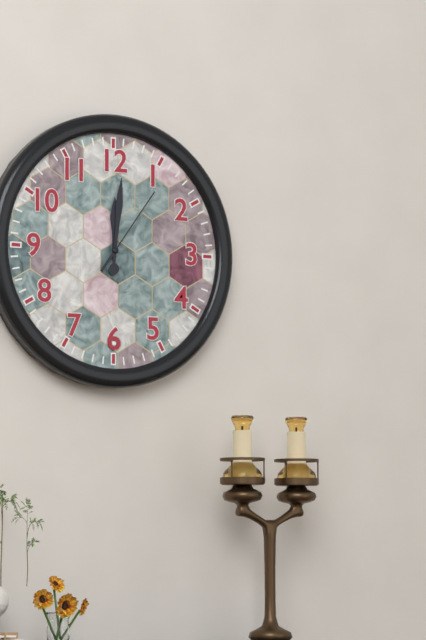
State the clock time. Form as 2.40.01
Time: 12.01.06
